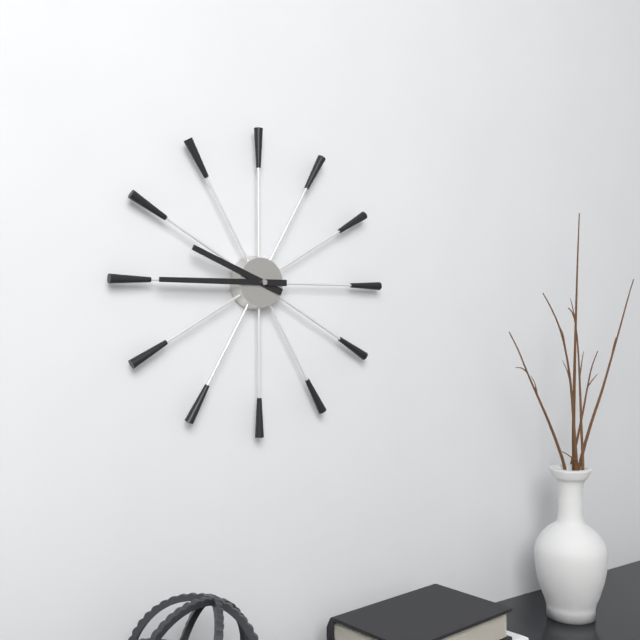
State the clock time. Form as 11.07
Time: 9.45
